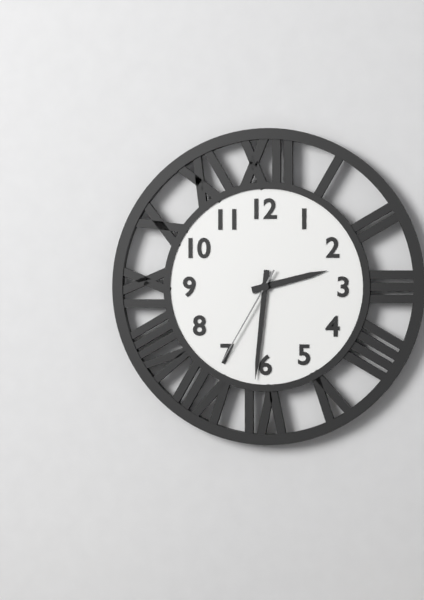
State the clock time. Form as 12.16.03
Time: 2.31.35
